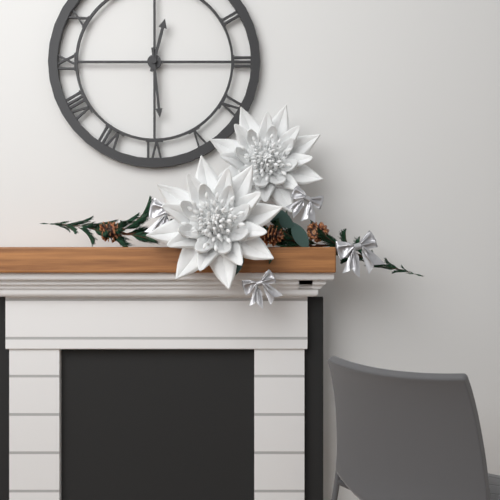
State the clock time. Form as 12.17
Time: 12.29
